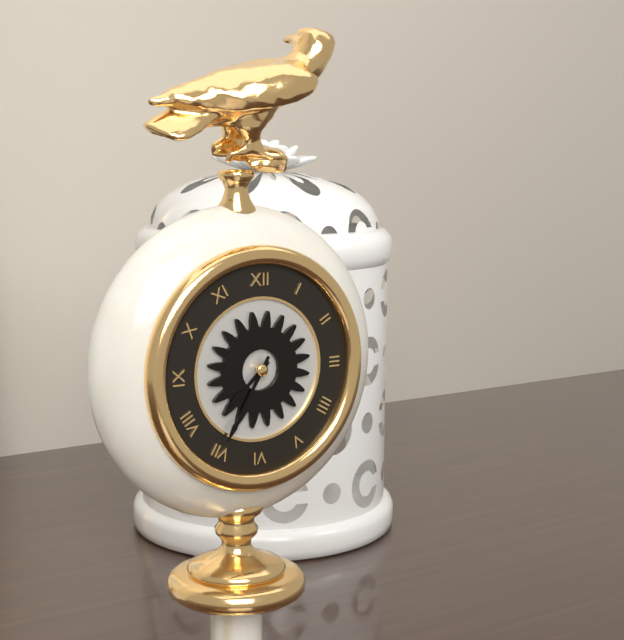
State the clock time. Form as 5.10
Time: 7.35
